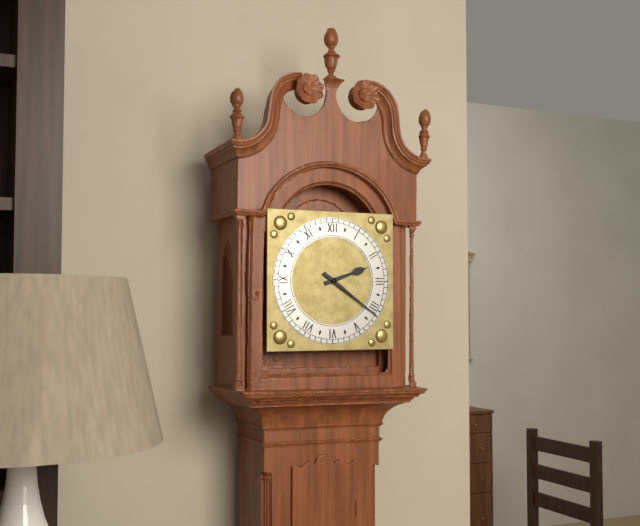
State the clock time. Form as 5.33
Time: 2.21
